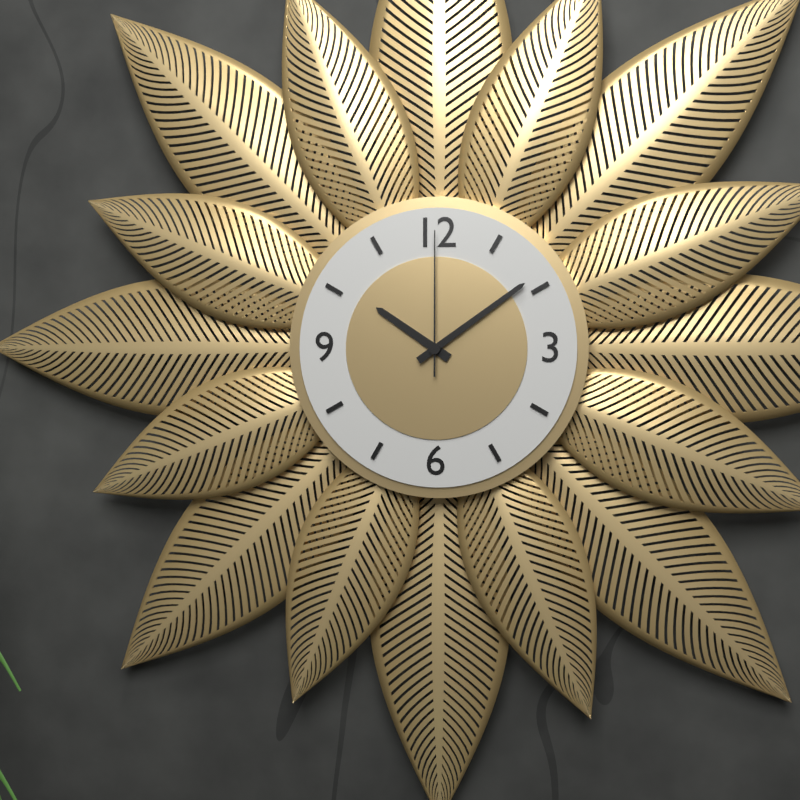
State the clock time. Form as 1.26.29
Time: 10.09.00
